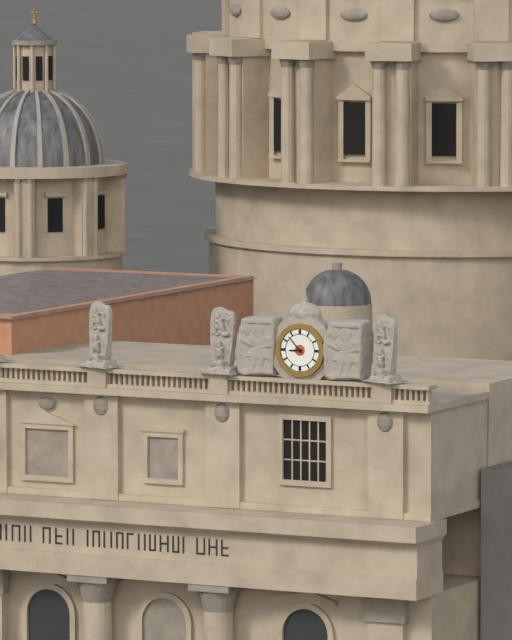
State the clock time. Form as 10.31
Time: 8.53
